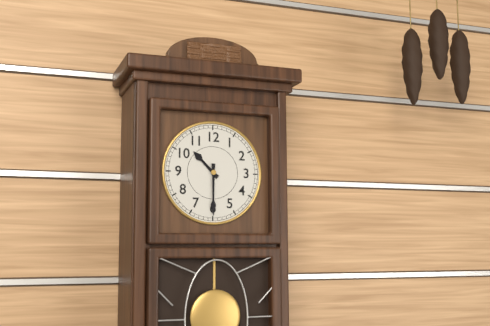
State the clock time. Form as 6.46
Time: 10.30
